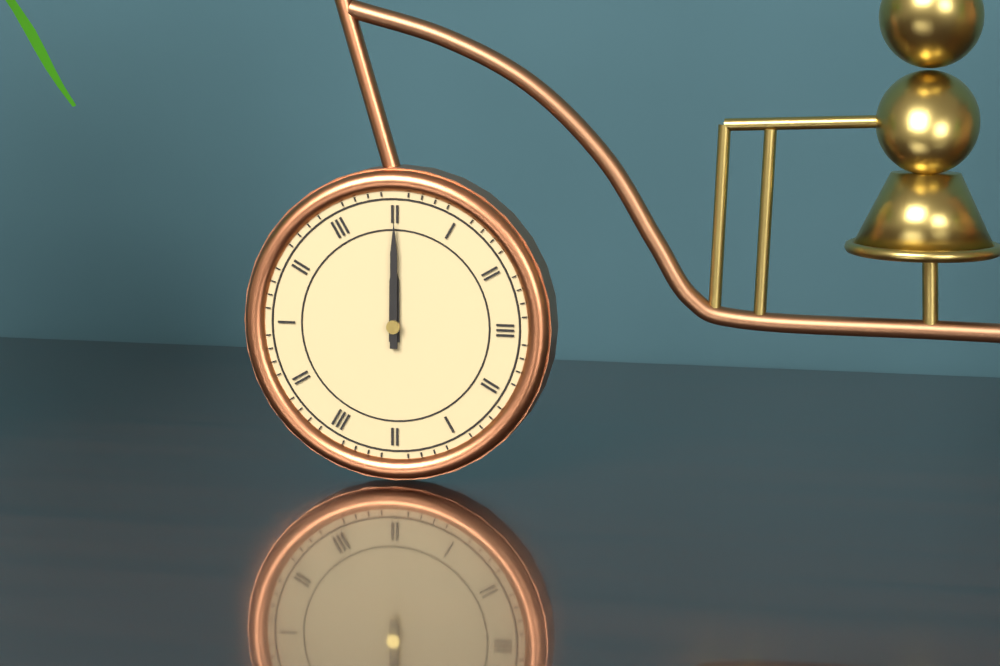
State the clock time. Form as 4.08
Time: 12.00
